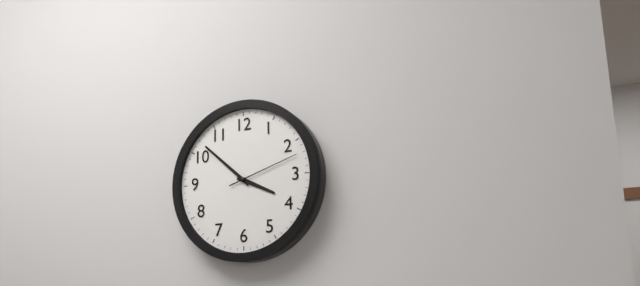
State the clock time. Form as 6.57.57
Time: 3.52.12
